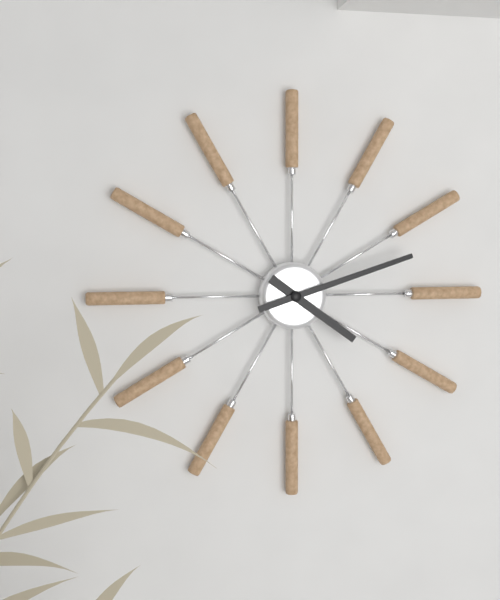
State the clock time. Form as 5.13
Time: 4.12
